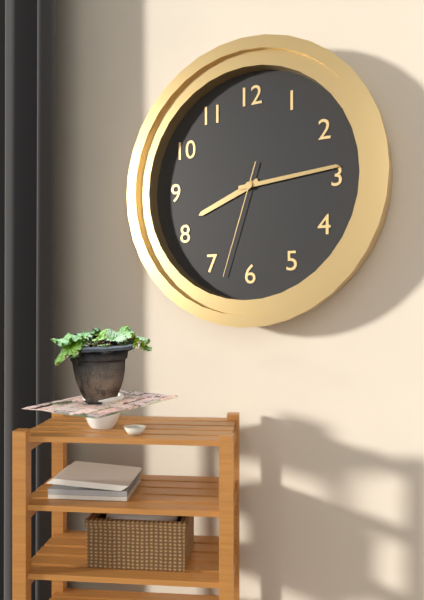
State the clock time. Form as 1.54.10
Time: 8.14.33
